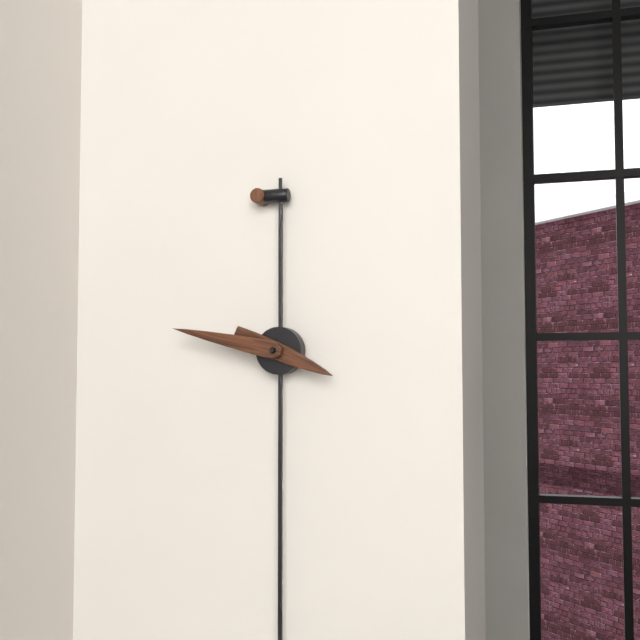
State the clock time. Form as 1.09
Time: 3.47
